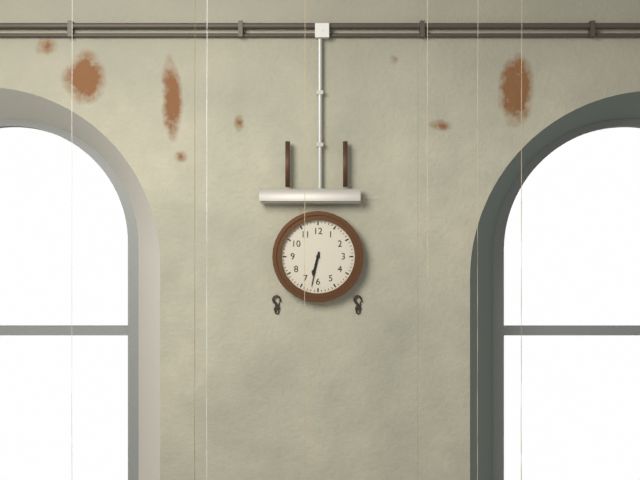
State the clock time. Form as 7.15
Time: 6.32
